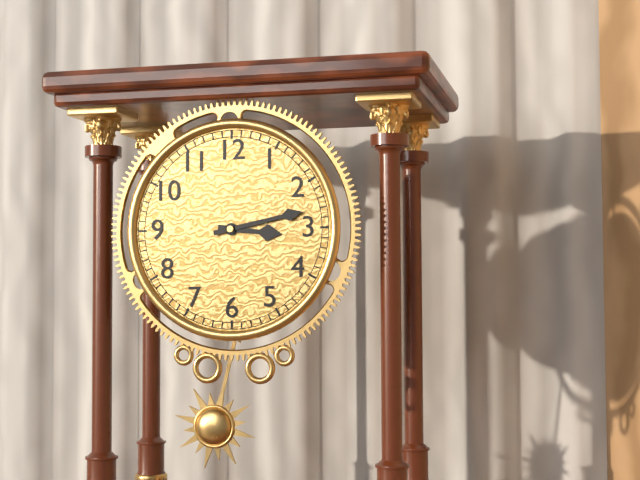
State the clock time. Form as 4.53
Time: 3.13
